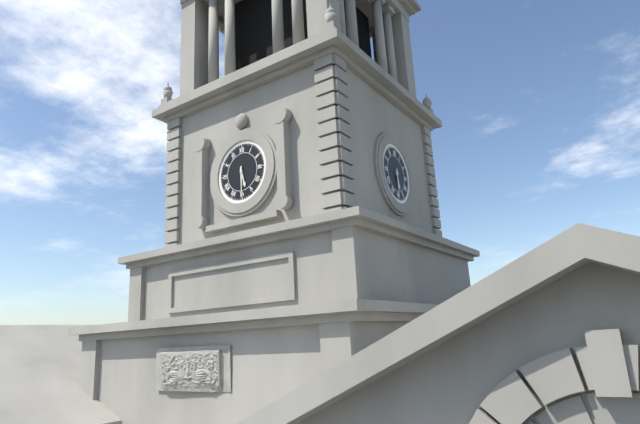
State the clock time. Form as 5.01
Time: 5.30
